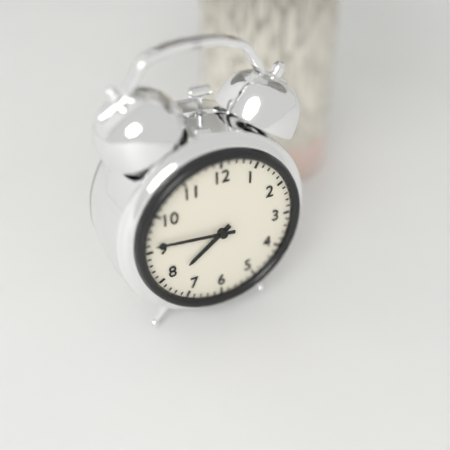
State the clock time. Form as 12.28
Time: 7.46
